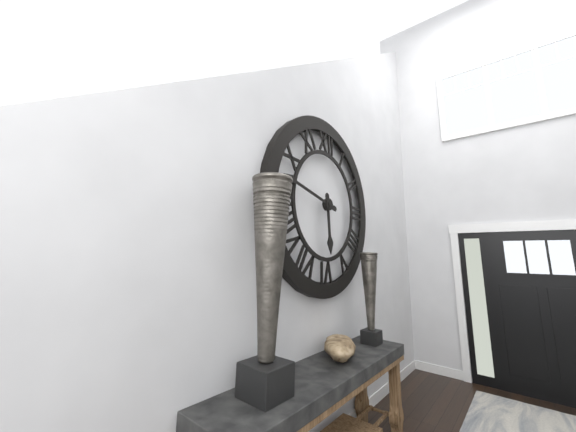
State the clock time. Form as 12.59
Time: 5.47
